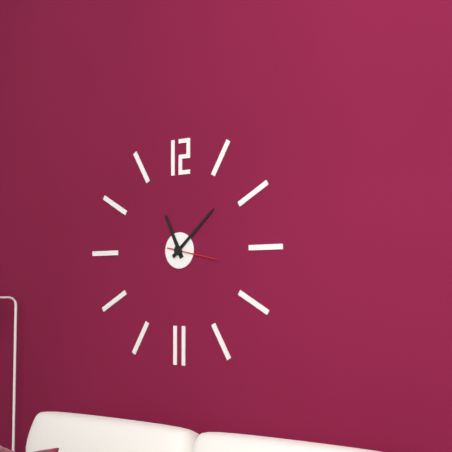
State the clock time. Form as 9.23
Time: 11.08
